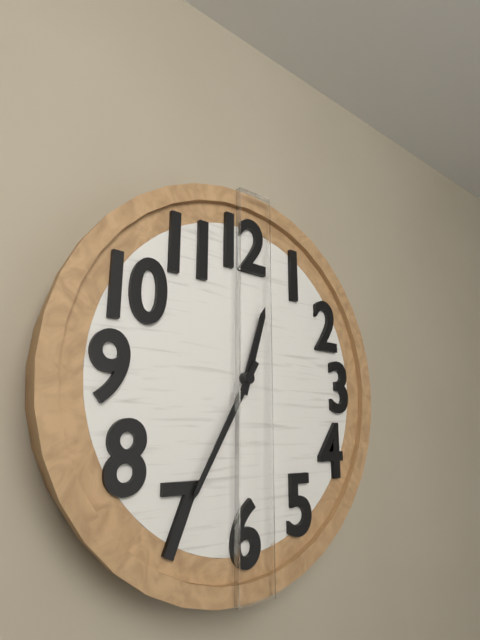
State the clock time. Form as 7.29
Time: 12.35
